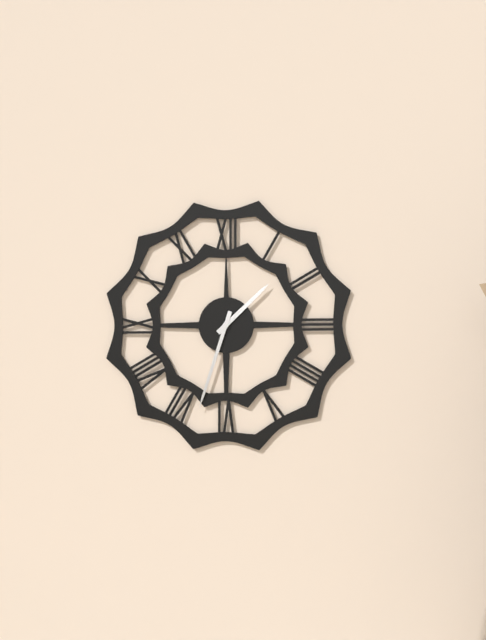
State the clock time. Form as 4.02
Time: 1.33
